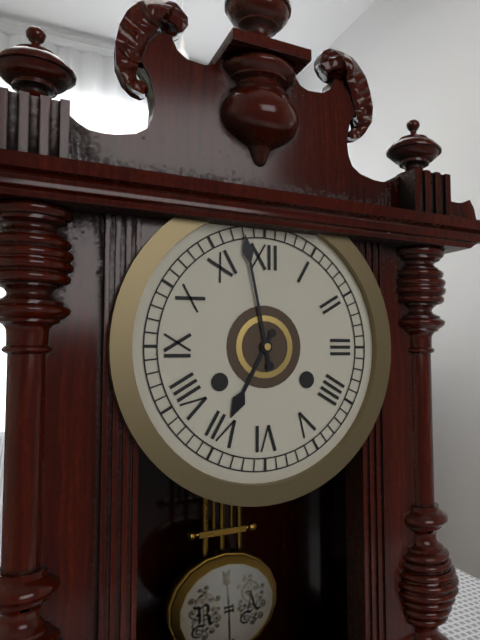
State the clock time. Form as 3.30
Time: 6.58
